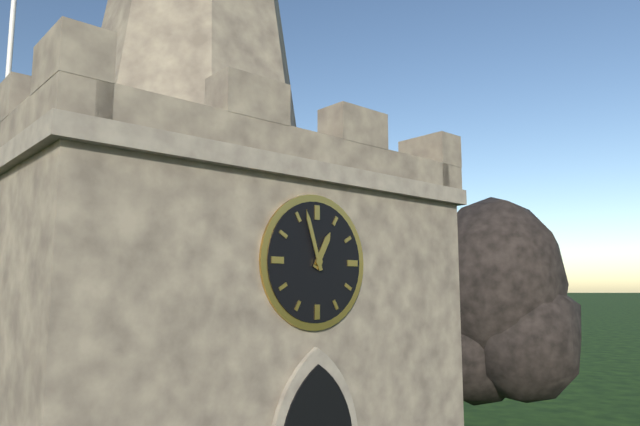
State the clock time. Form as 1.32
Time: 12.57
